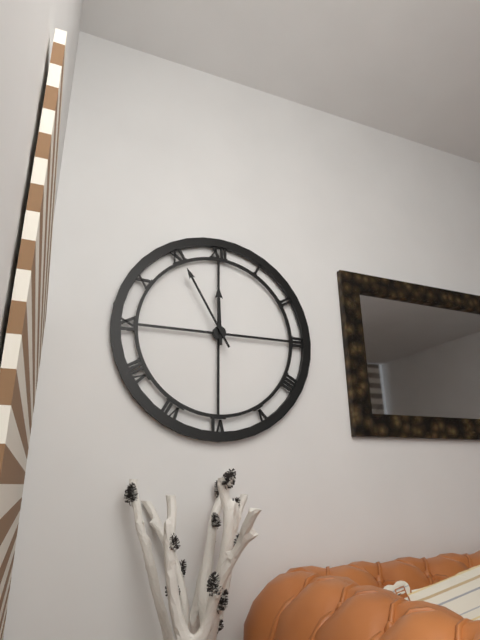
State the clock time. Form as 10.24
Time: 11.55
